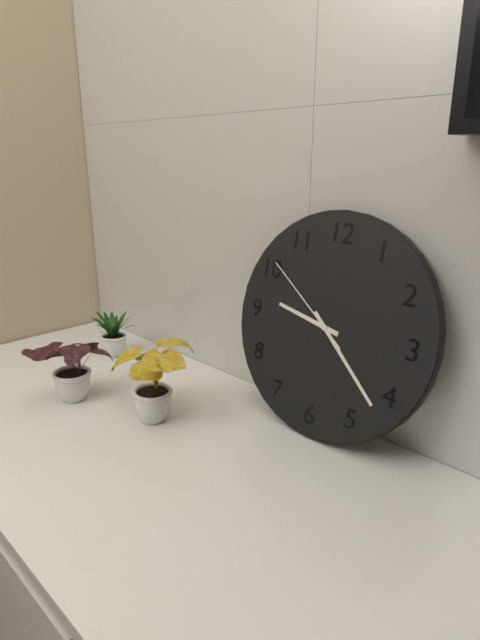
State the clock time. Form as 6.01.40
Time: 9.22.51
